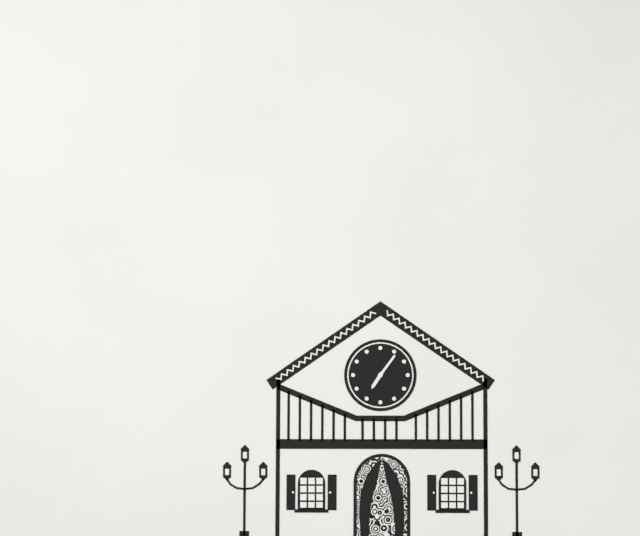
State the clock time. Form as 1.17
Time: 7.06
